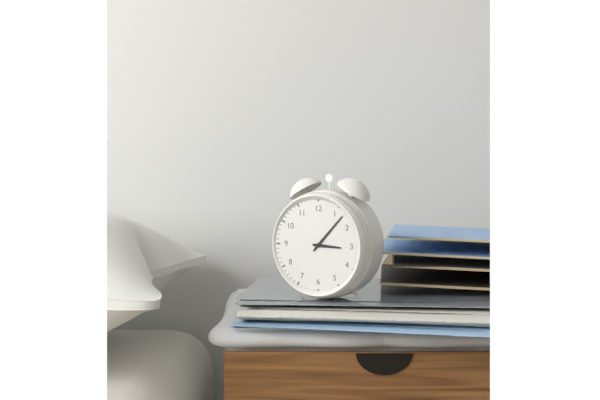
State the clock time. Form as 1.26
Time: 3.07
